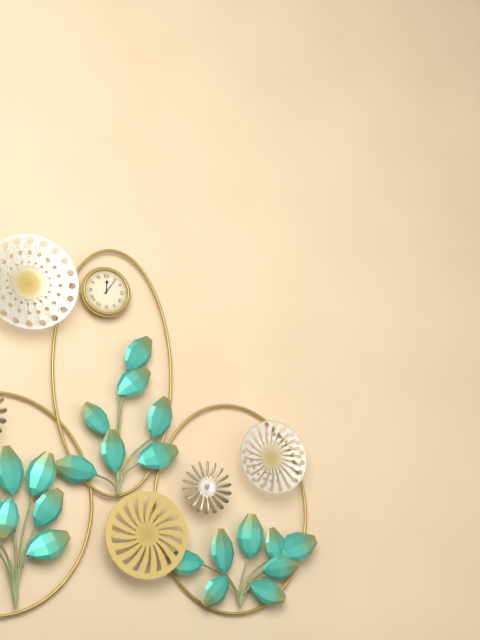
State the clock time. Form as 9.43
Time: 12.06
